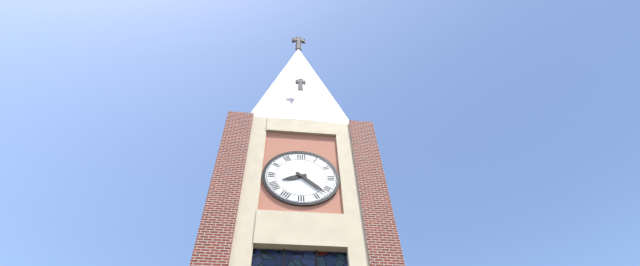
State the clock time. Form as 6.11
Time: 8.22
